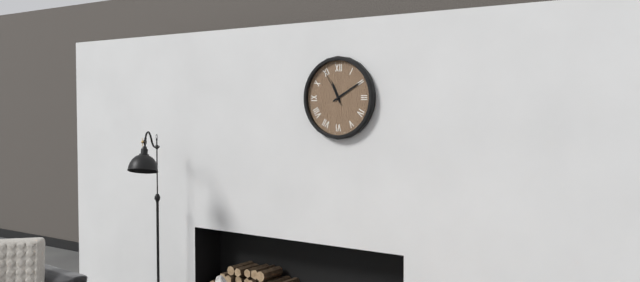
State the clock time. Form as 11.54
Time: 11.10
